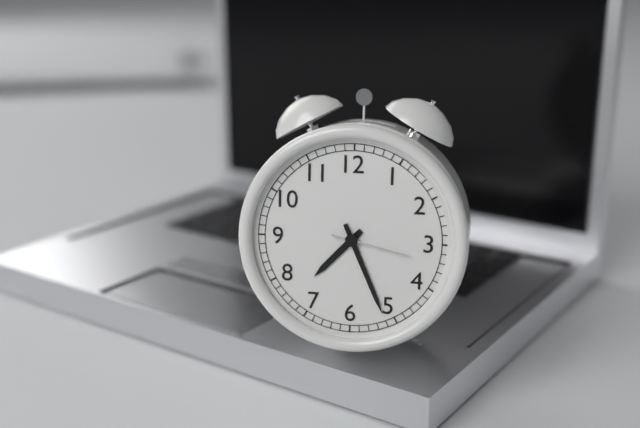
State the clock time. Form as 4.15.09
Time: 7.26.17
